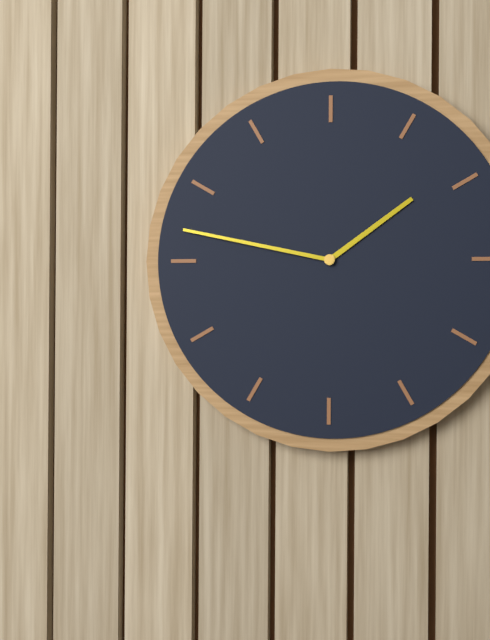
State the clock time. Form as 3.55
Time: 1.47
